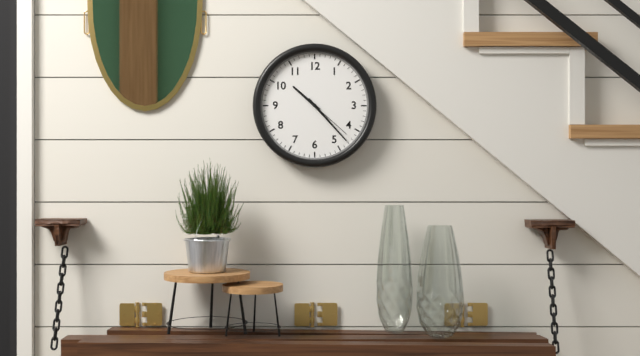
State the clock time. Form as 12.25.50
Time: 10.23.22
